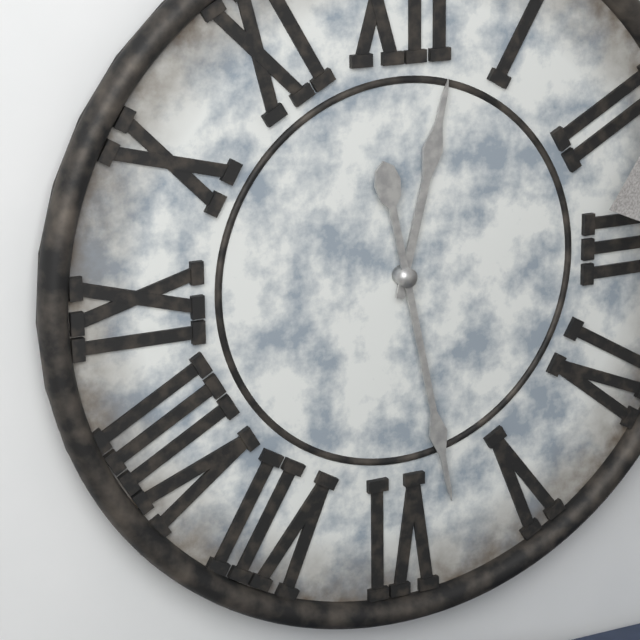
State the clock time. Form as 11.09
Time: 12.28
